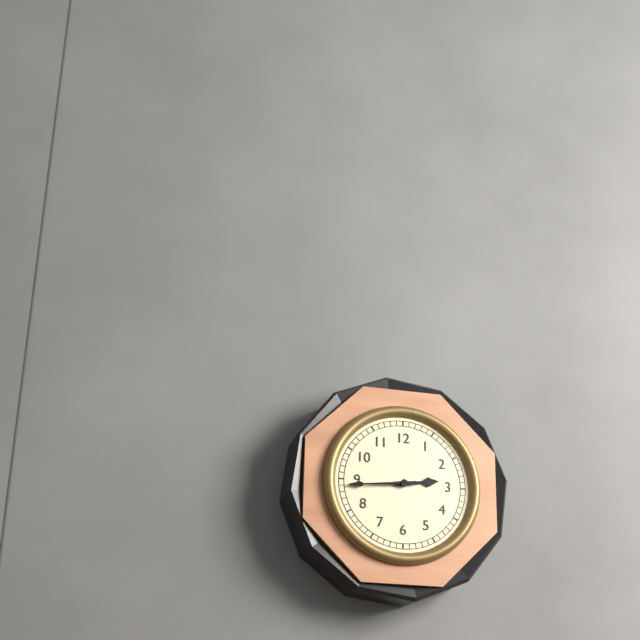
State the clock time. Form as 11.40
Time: 2.44
